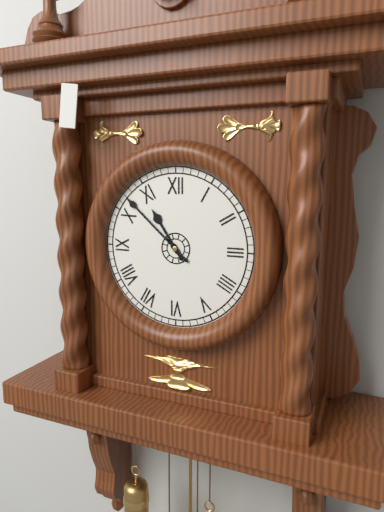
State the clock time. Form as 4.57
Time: 10.52
